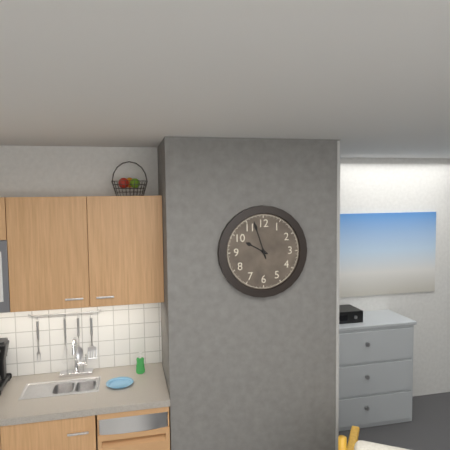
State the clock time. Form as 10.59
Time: 9.57
